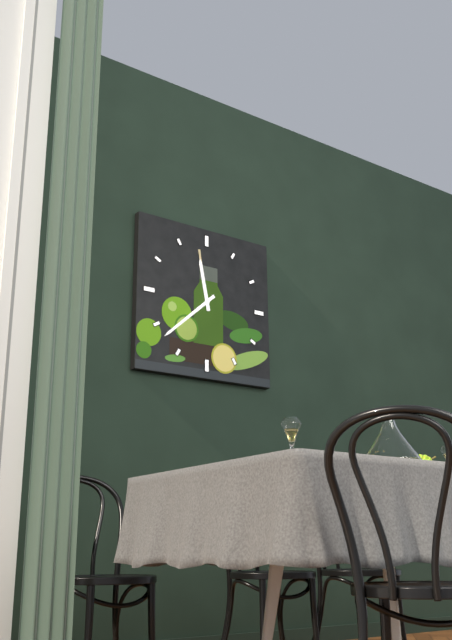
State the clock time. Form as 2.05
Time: 11.38
